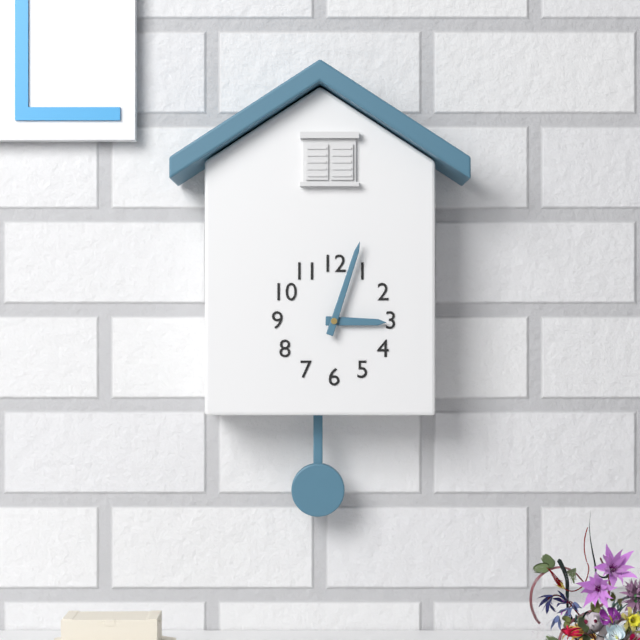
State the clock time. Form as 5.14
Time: 3.03
